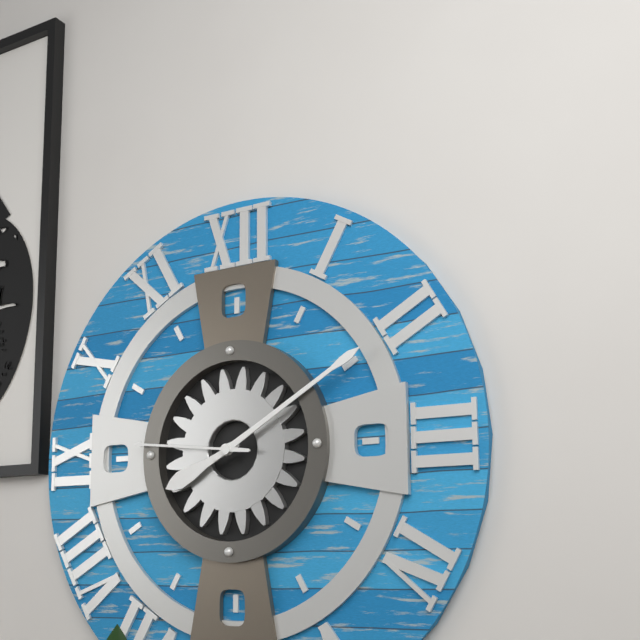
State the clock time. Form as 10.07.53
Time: 8.10.46
